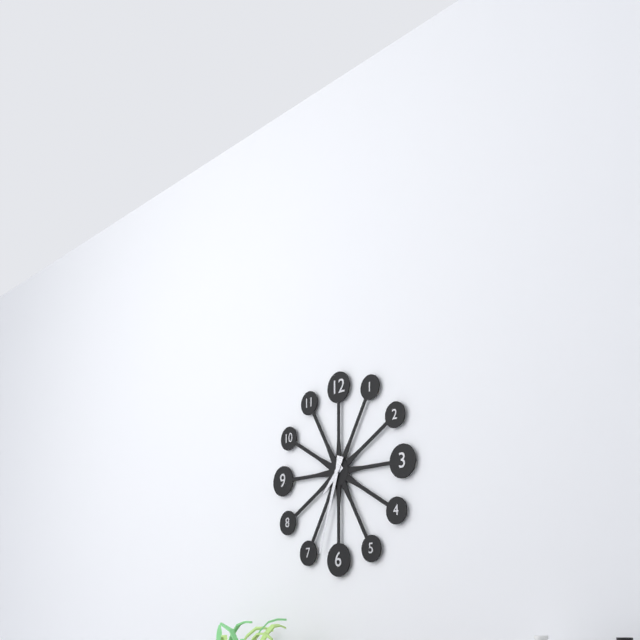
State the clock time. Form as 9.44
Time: 7.33
